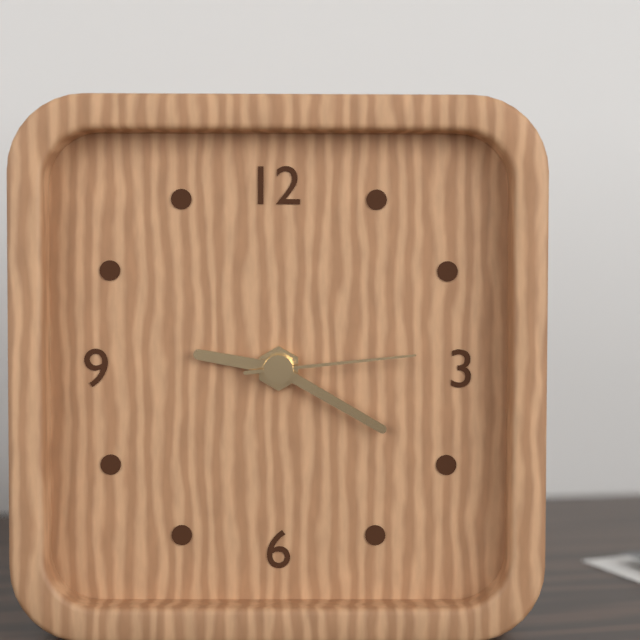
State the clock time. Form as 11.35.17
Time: 9.20.14
